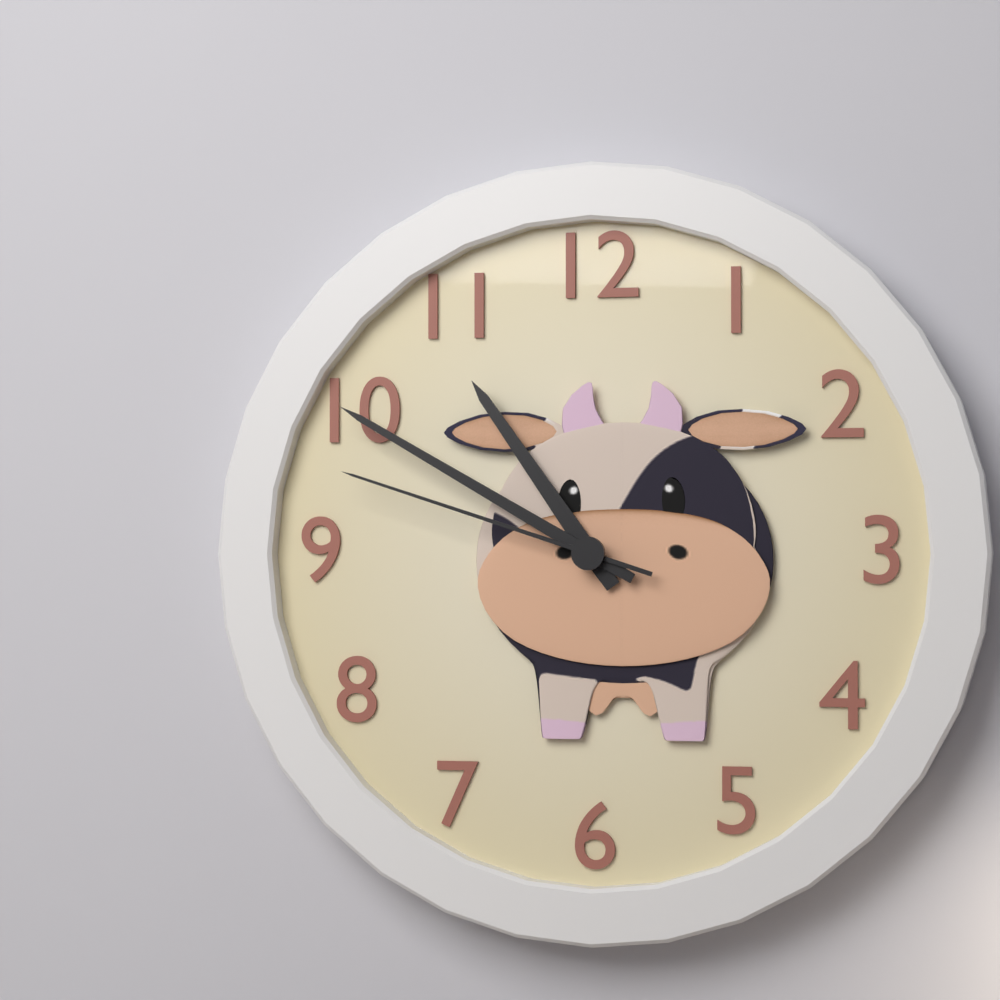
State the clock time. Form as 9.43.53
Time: 10.50.48
